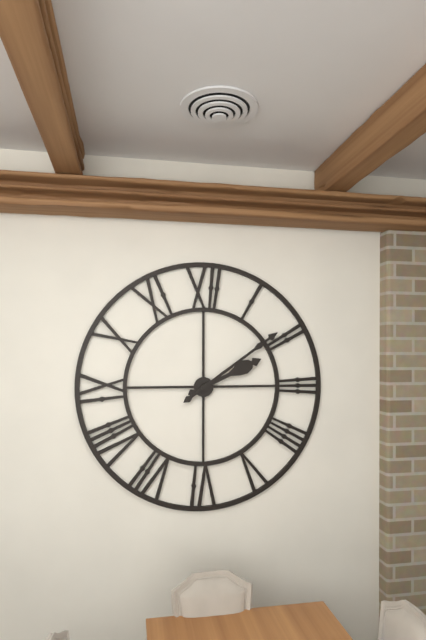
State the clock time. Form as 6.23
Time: 2.09
